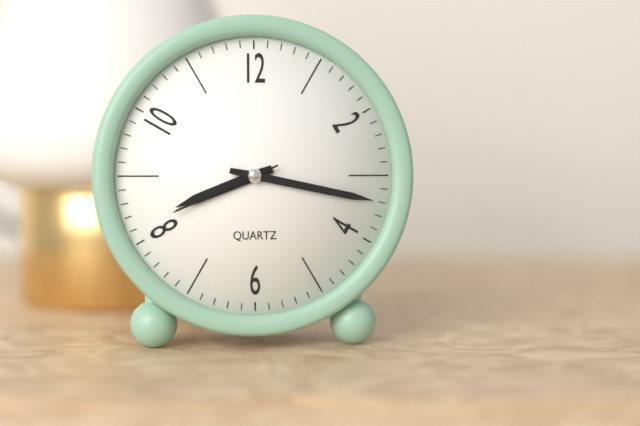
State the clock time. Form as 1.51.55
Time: 8.17.41
